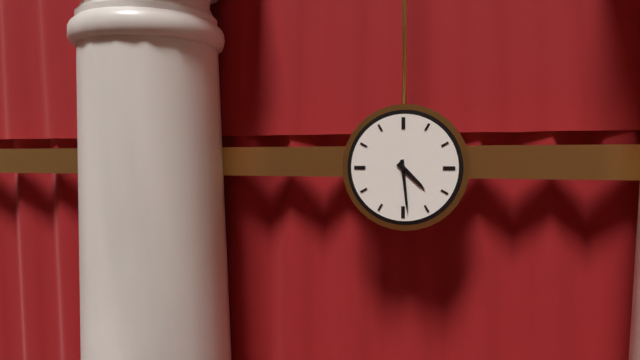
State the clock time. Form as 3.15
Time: 4.29
